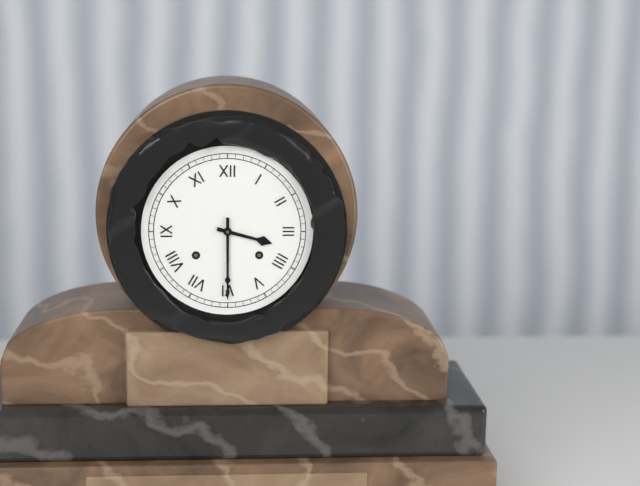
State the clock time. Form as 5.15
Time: 3.30
